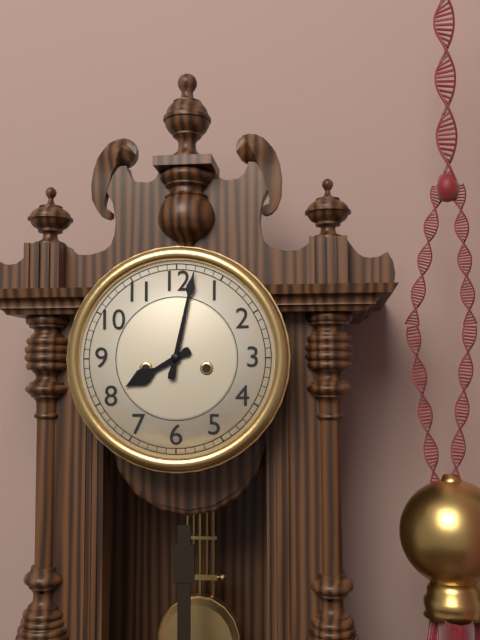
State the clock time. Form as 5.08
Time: 8.02
